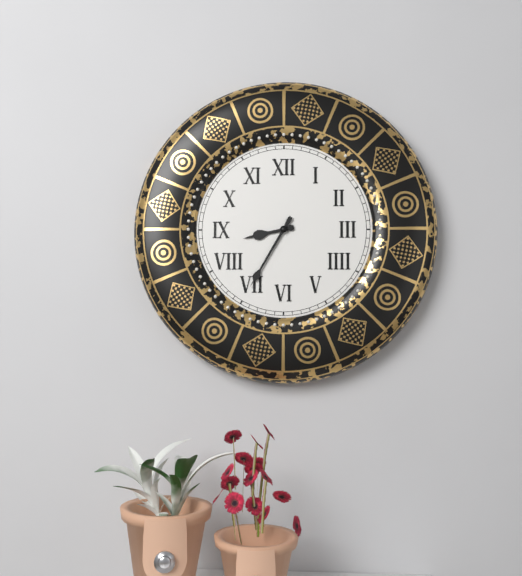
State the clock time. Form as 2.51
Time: 8.35
